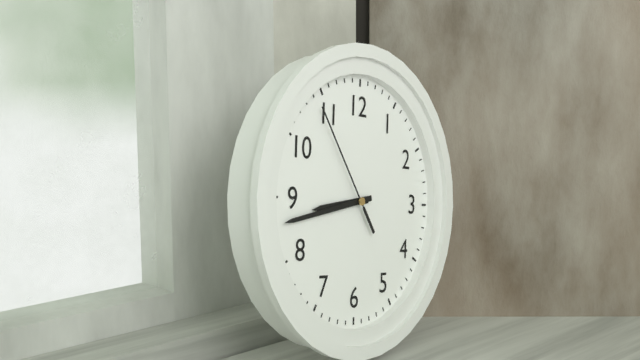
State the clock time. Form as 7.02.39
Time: 8.43.54
